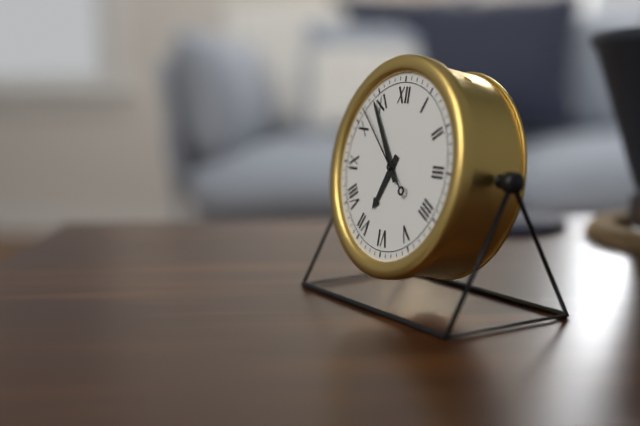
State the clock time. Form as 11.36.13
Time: 6.54.52
